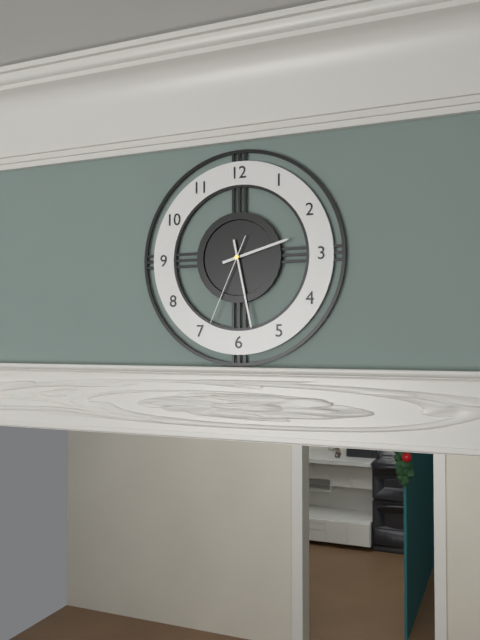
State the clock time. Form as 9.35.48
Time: 2.28.34
